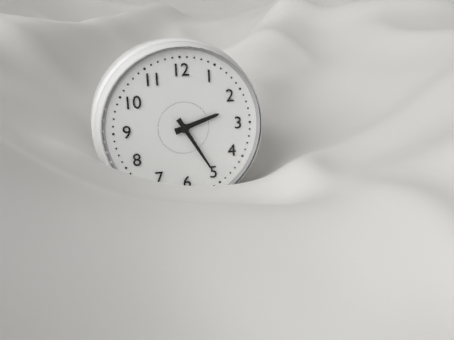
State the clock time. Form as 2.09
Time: 2.25
